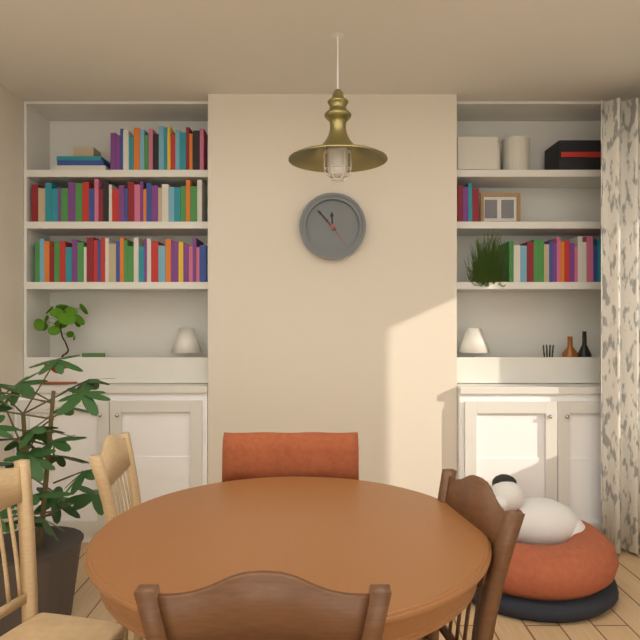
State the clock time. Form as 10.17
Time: 11.53
